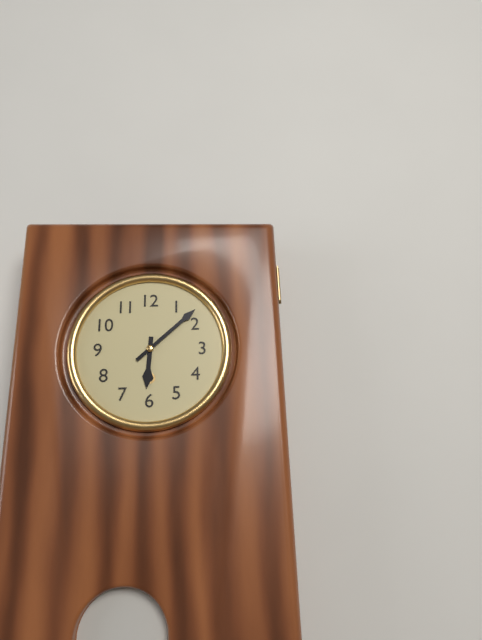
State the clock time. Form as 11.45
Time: 6.08
